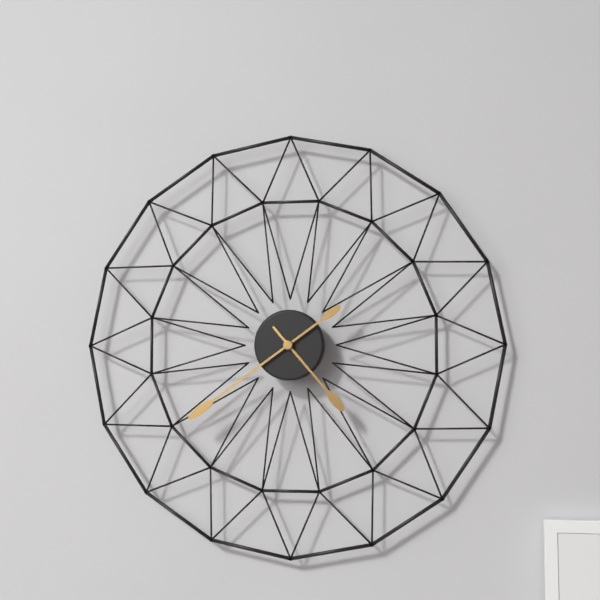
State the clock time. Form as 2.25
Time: 4.39
